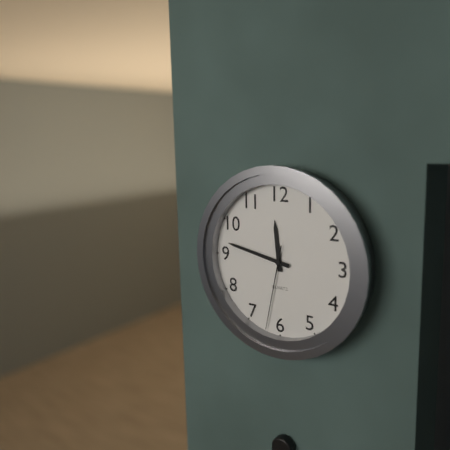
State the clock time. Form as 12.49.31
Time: 11.47.32
